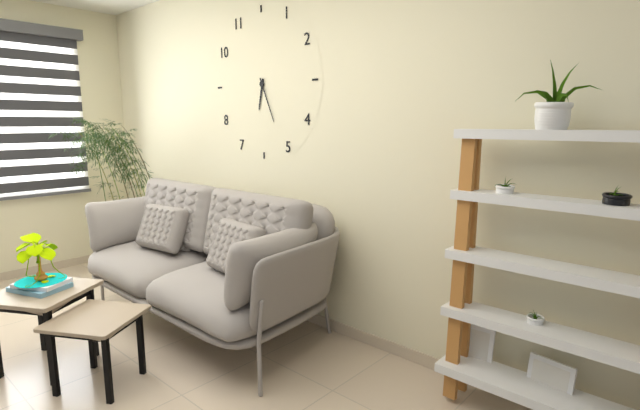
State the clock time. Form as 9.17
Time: 6.26
